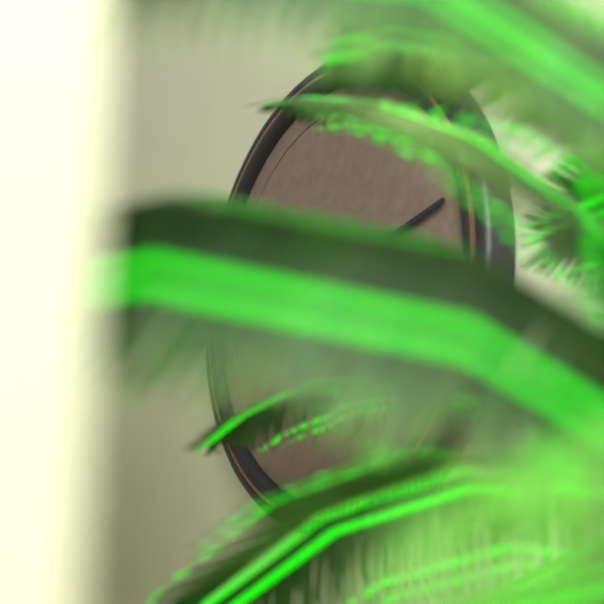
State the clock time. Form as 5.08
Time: 8.13
